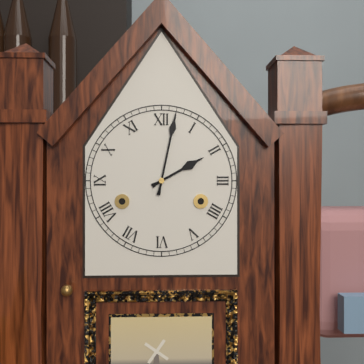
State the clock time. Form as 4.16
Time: 2.02
